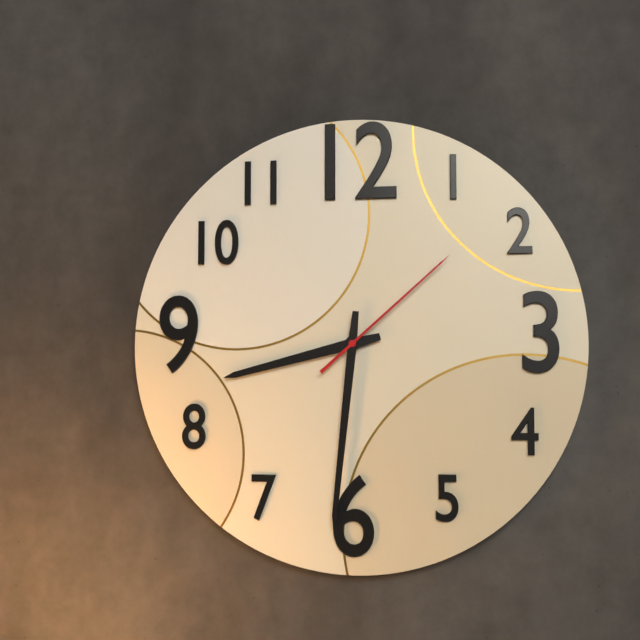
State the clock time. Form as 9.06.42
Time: 8.31.08
